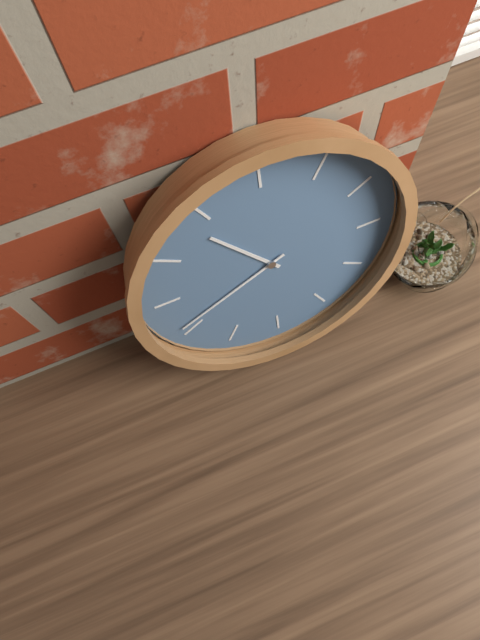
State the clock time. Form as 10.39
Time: 10.41
